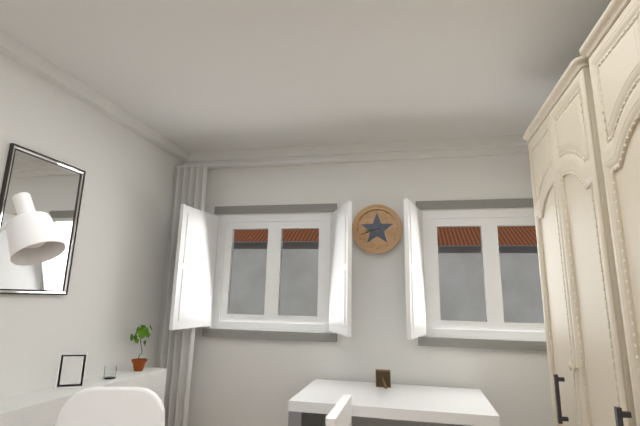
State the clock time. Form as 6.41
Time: 8.42
